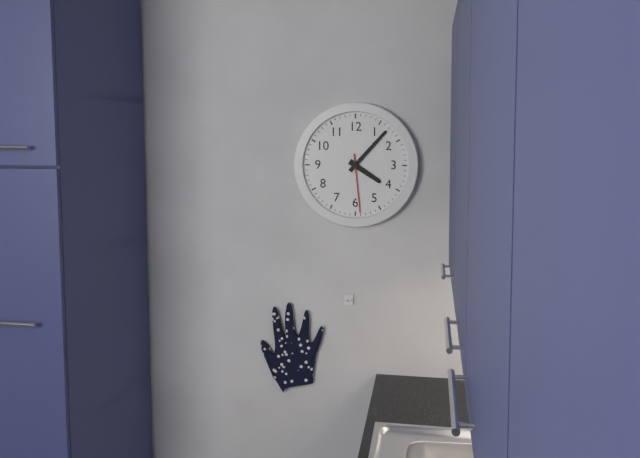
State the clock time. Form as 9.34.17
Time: 4.07.29
